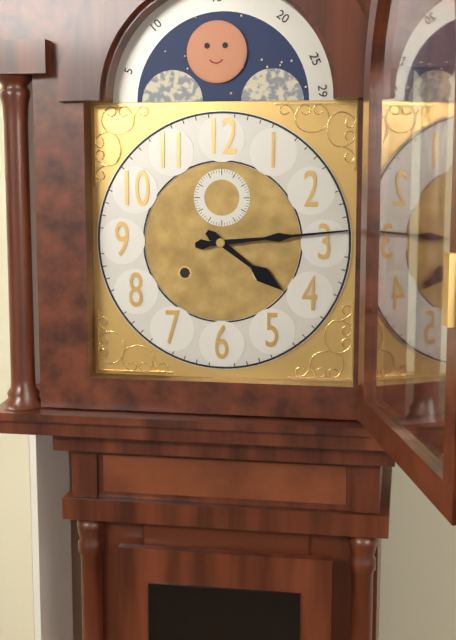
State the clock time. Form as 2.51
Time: 4.14
